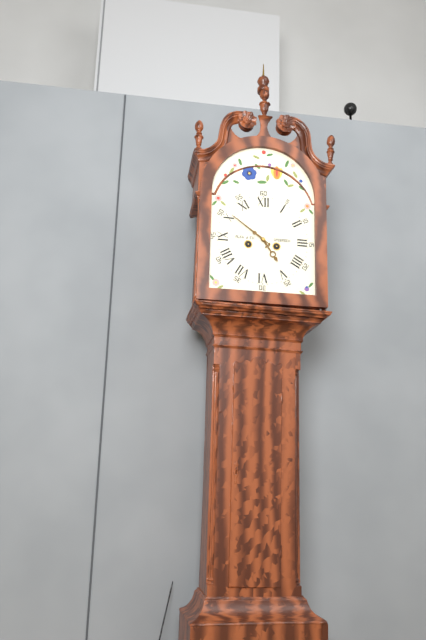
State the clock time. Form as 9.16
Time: 4.51
